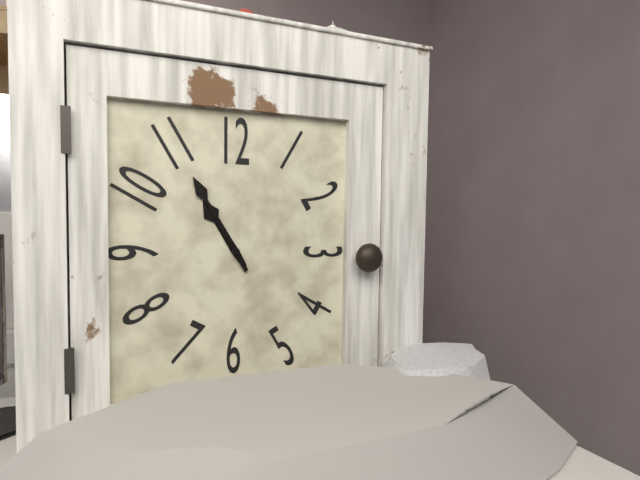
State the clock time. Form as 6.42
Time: 10.55
